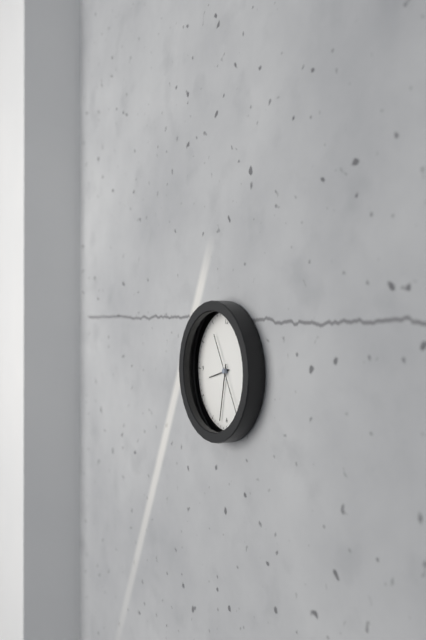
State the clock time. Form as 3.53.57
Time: 8.32.25
